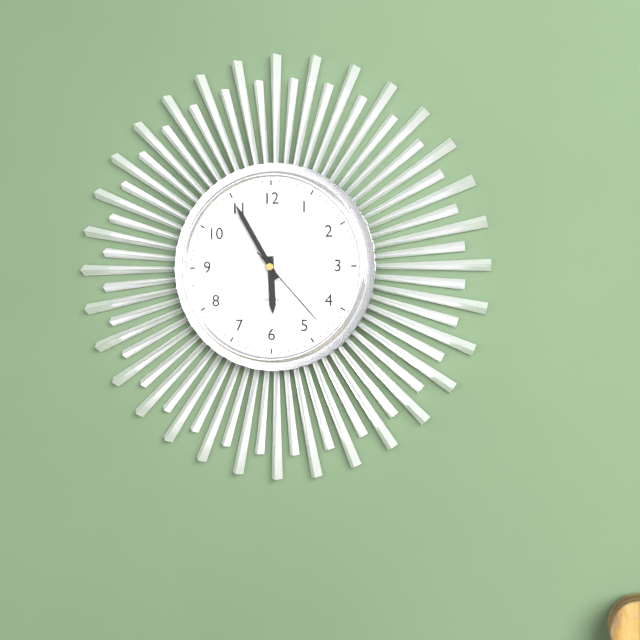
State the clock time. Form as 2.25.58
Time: 5.55.23
